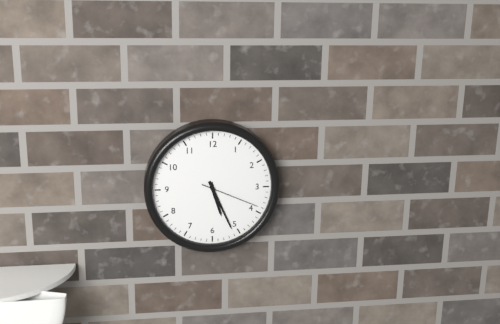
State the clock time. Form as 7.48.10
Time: 5.26.19
